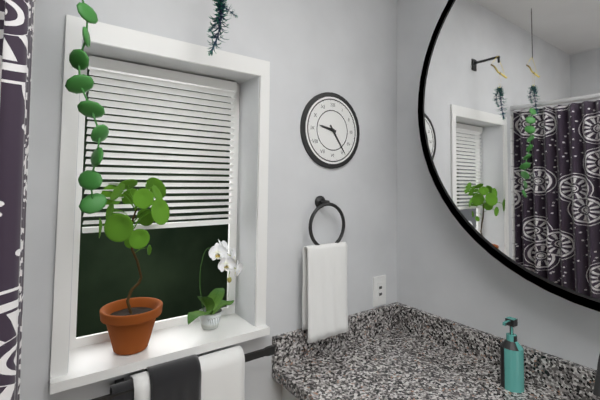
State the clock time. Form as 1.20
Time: 9.24
